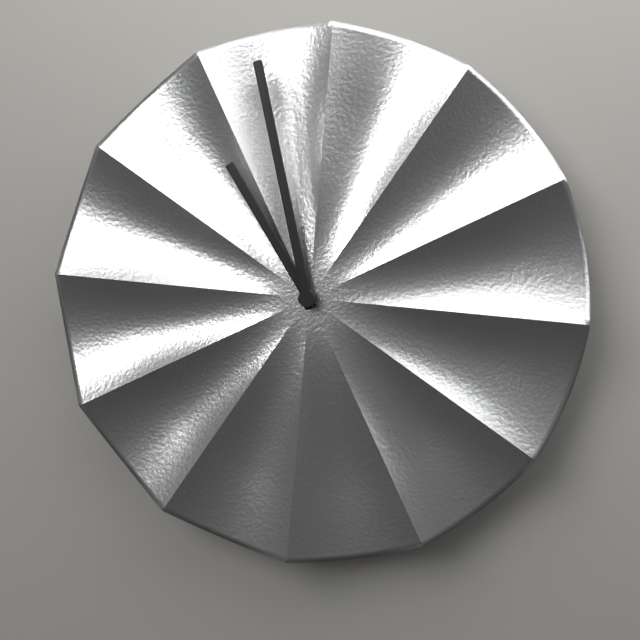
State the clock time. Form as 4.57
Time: 10.58
